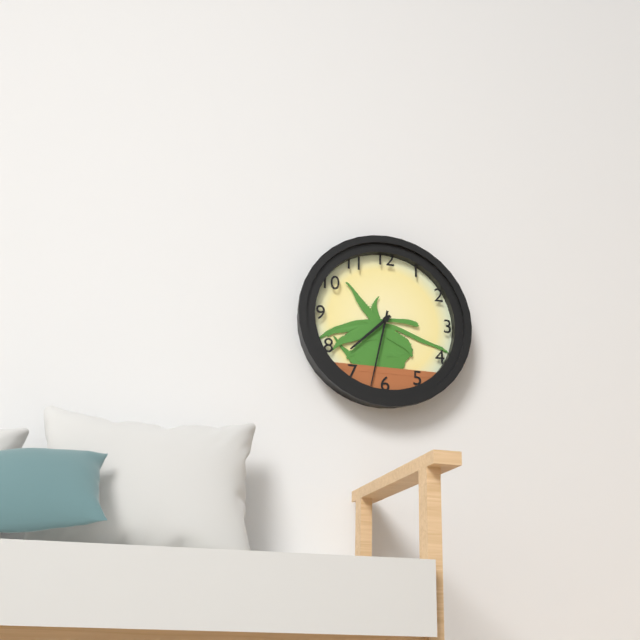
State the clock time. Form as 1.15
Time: 7.32
